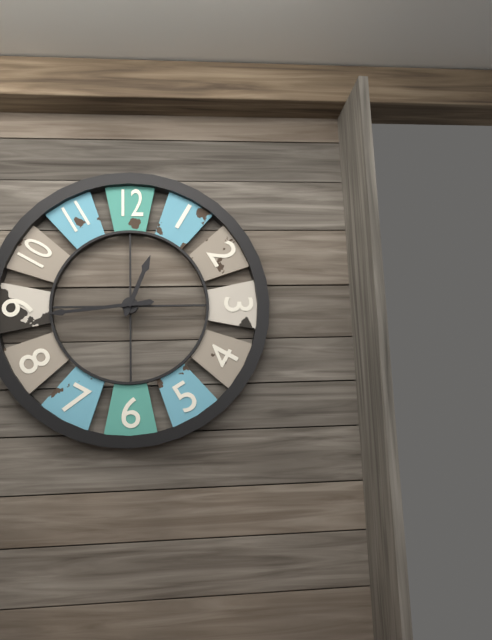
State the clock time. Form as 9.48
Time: 12.44
